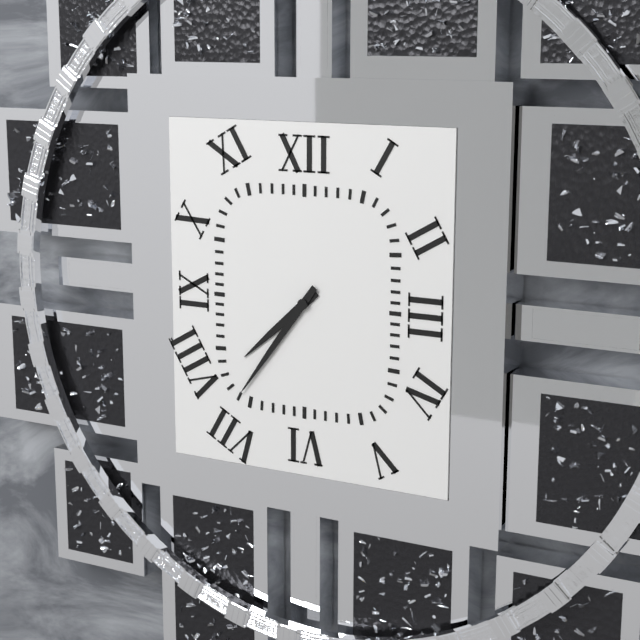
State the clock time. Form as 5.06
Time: 7.36
